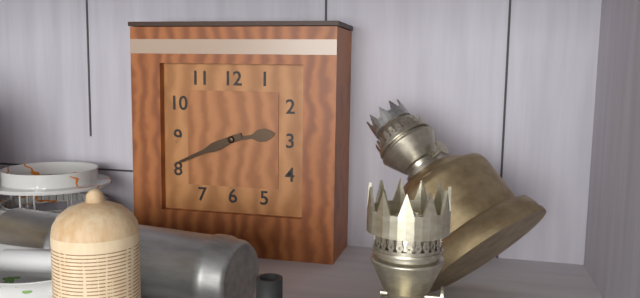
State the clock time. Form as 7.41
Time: 2.41
